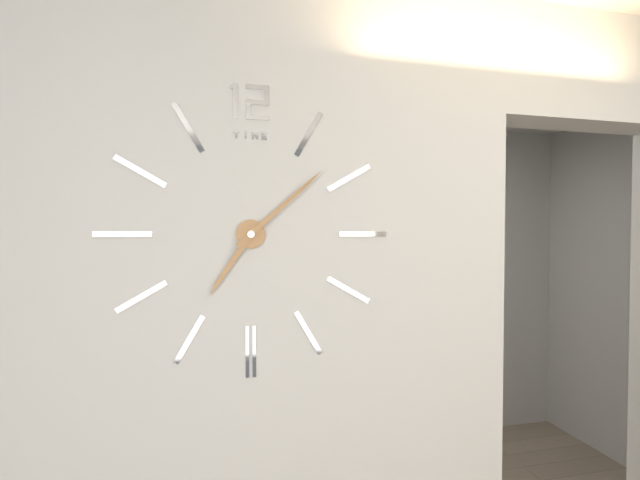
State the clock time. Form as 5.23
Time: 7.08
